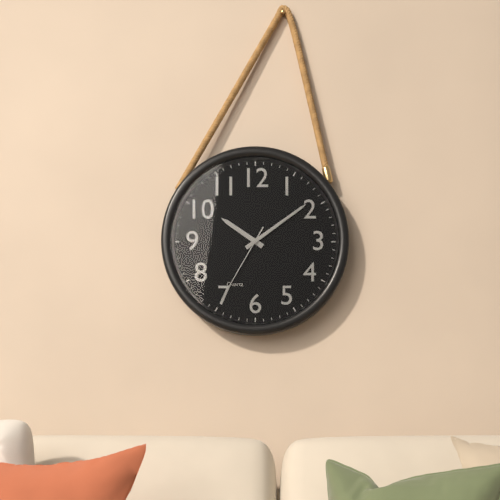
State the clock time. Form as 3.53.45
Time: 10.09.35
